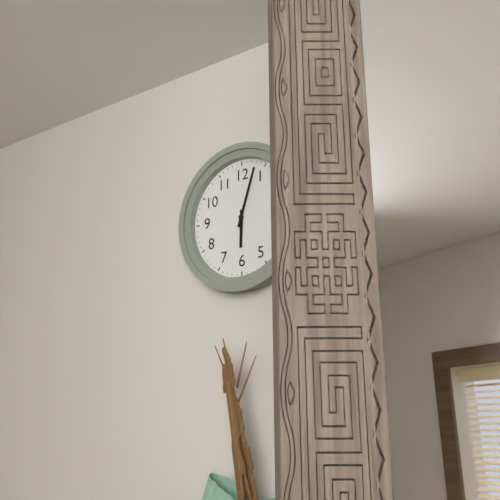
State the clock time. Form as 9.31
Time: 6.03
